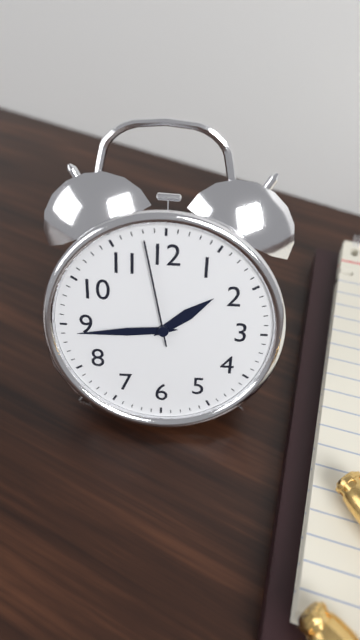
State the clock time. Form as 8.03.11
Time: 1.44.58
